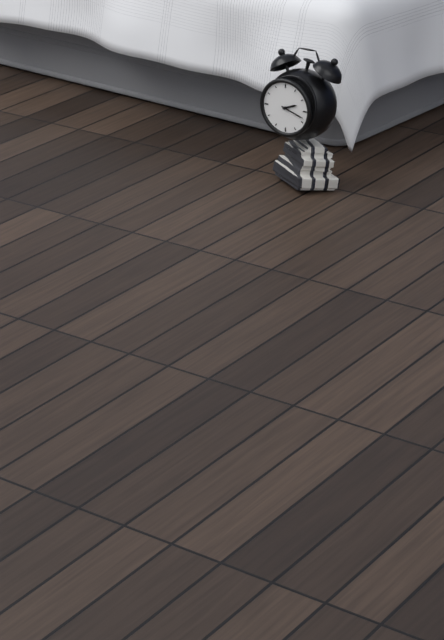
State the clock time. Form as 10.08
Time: 2.18
